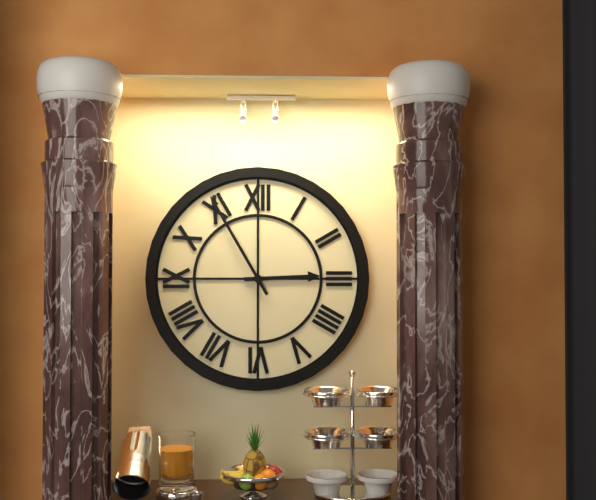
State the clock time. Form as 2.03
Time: 2.55
